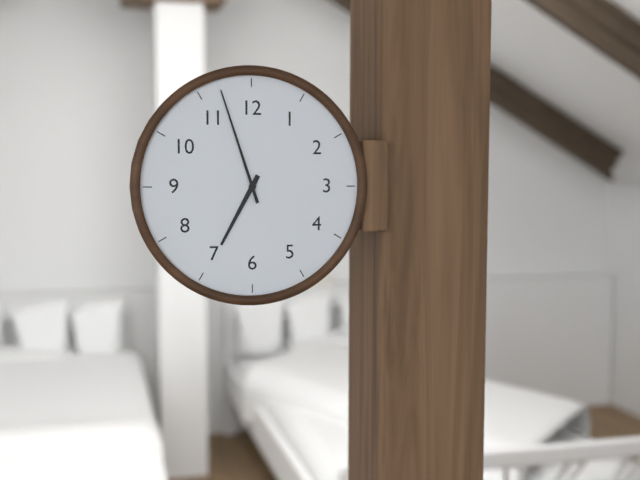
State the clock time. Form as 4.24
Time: 6.57
